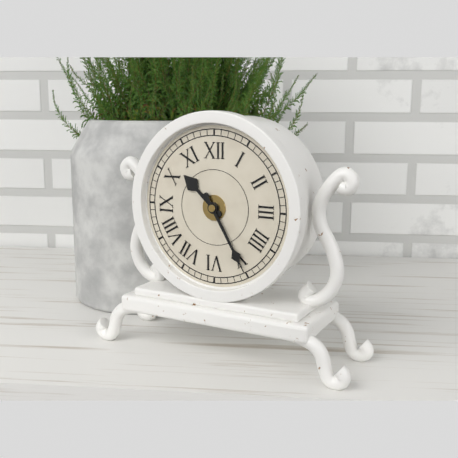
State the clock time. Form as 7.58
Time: 10.25
